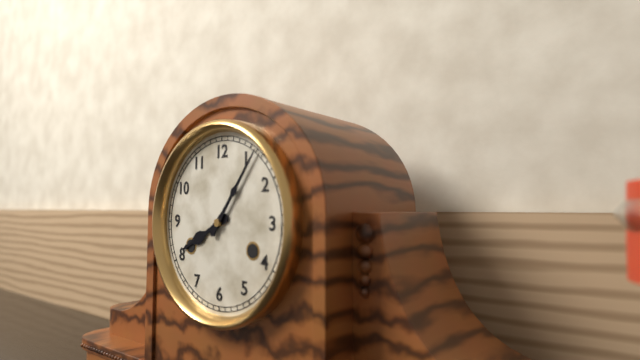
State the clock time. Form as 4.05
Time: 8.06
